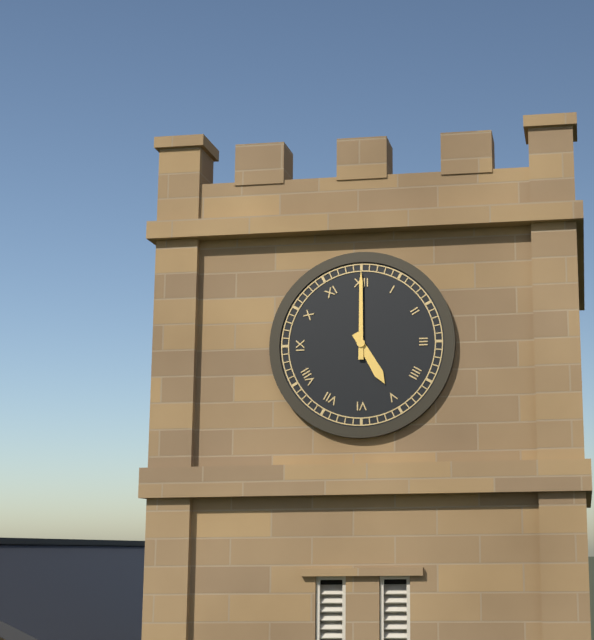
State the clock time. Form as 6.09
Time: 5.00
